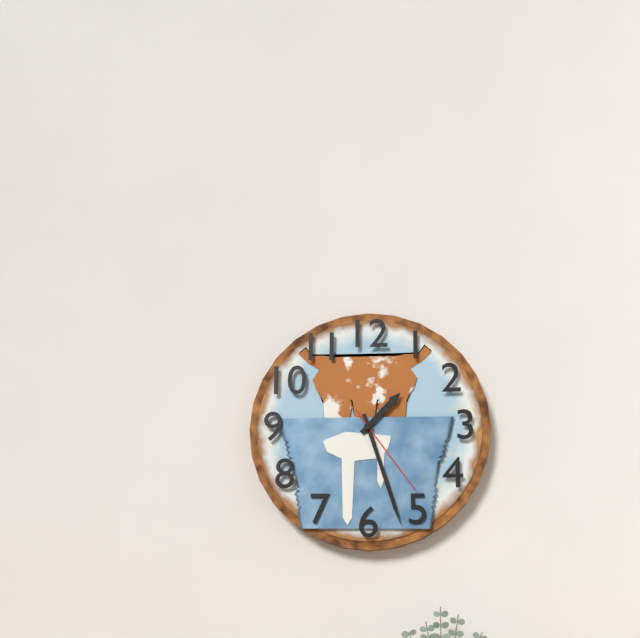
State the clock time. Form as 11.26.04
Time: 1.27.24
